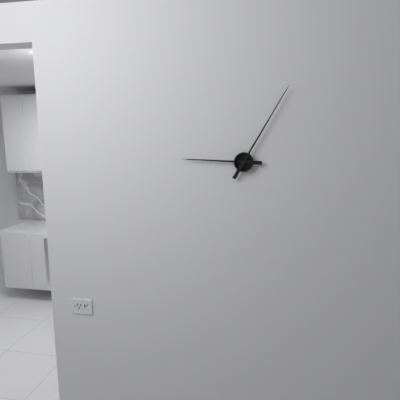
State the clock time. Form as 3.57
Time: 9.05
